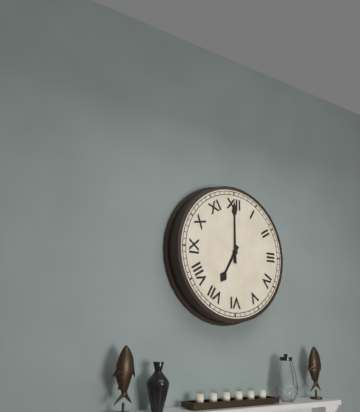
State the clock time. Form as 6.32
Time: 7.00
